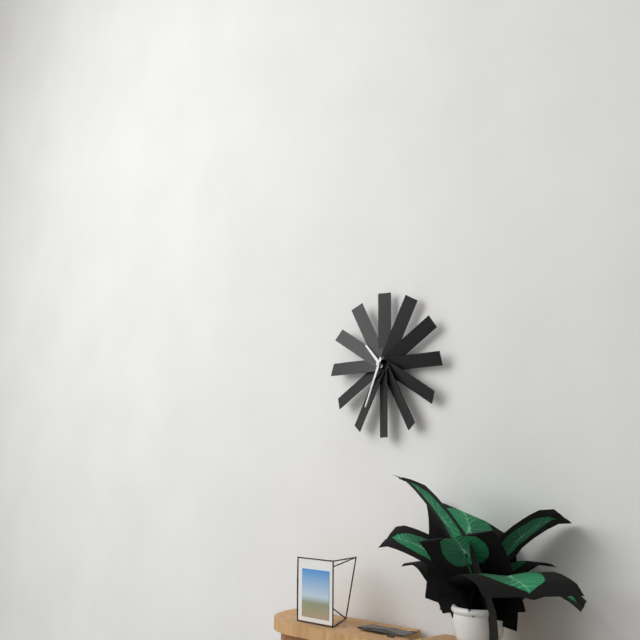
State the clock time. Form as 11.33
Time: 10.34
